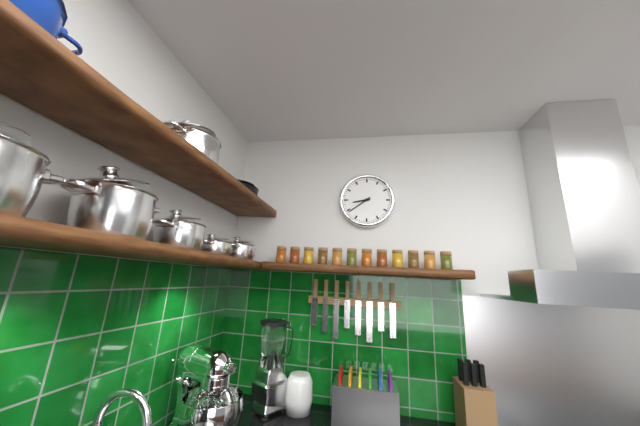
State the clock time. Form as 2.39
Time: 8.39
